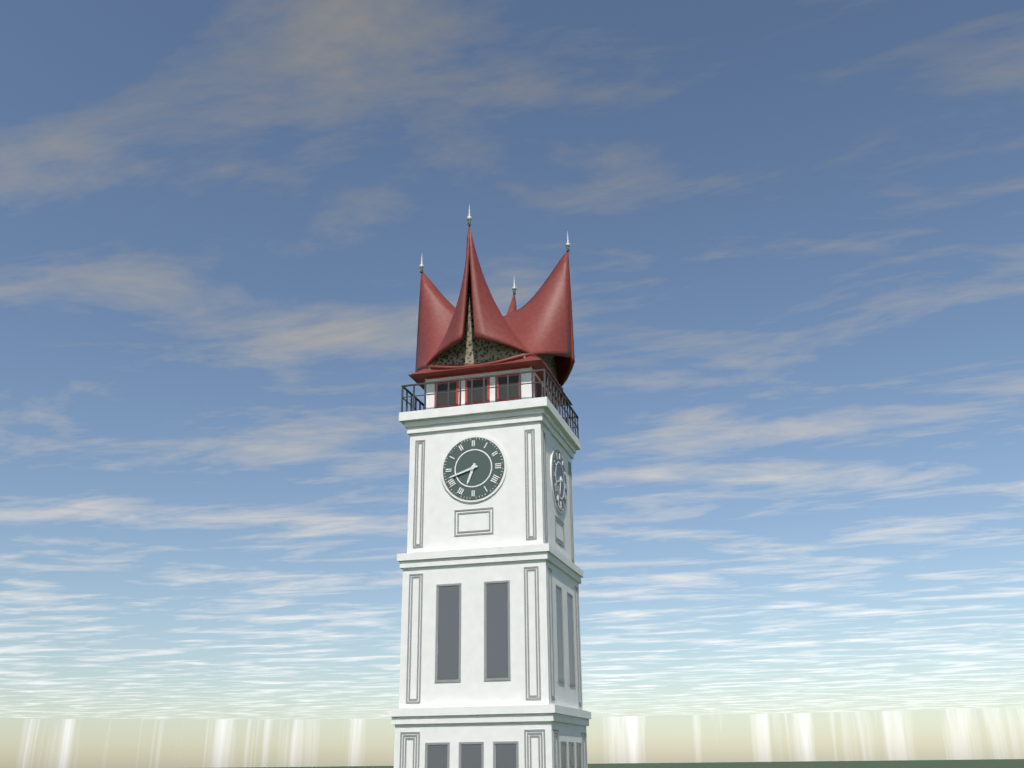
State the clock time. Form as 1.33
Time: 6.42
